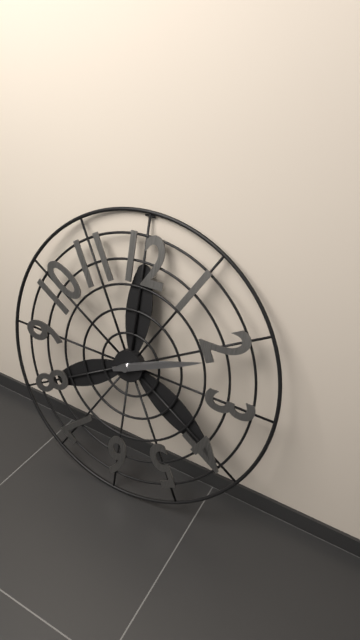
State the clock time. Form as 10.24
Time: 2.11
